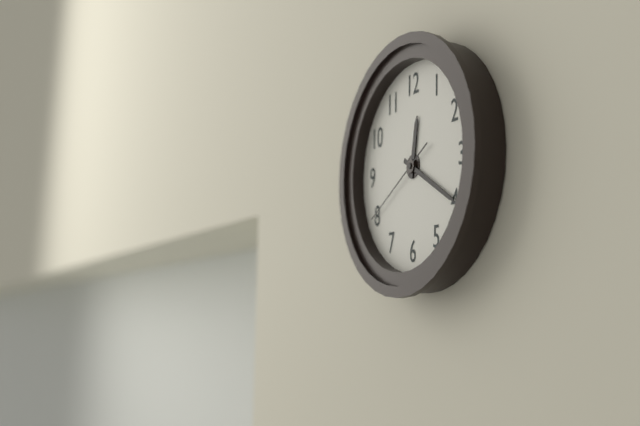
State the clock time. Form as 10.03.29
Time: 12.20.40
